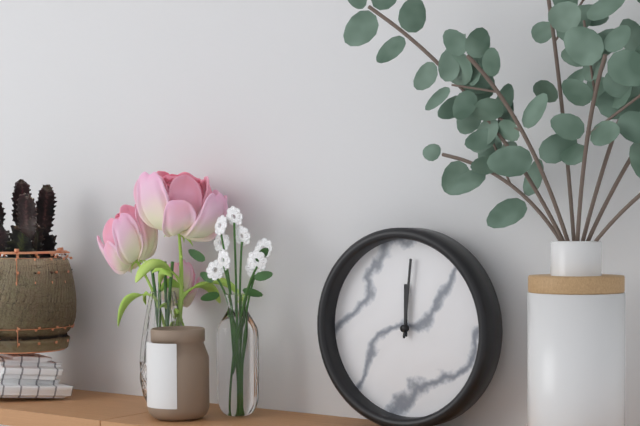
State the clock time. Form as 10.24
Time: 12.01
